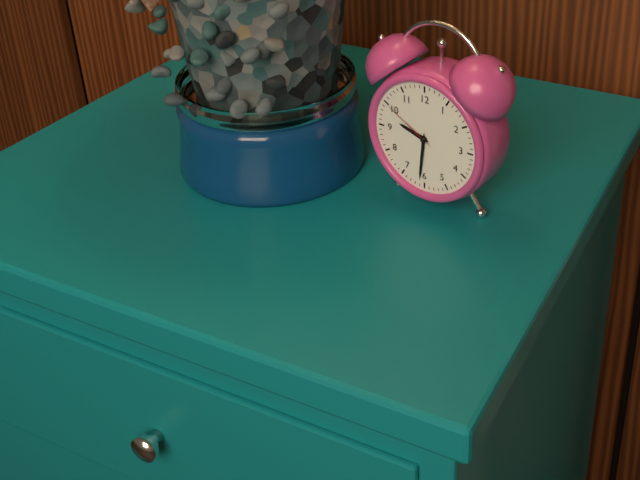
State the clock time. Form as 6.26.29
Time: 9.31.50
